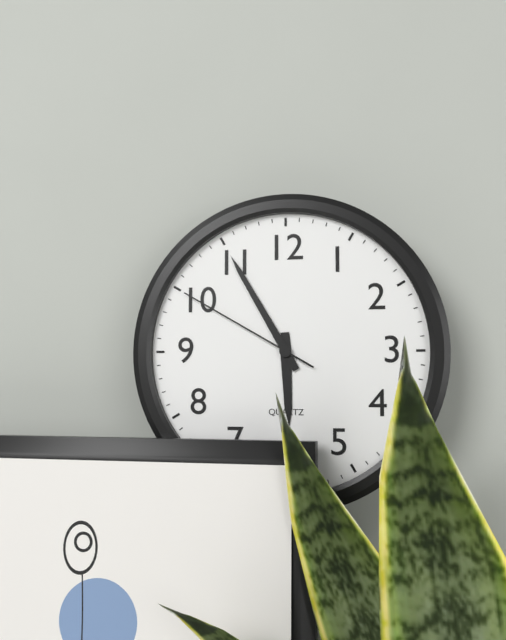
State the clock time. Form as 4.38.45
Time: 5.55.50
